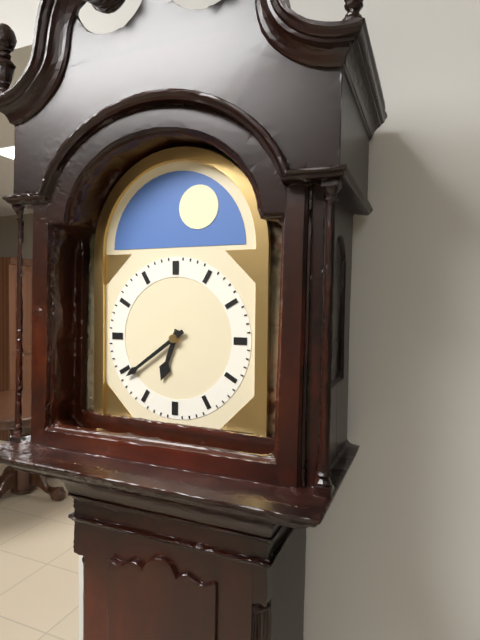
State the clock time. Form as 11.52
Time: 6.39
